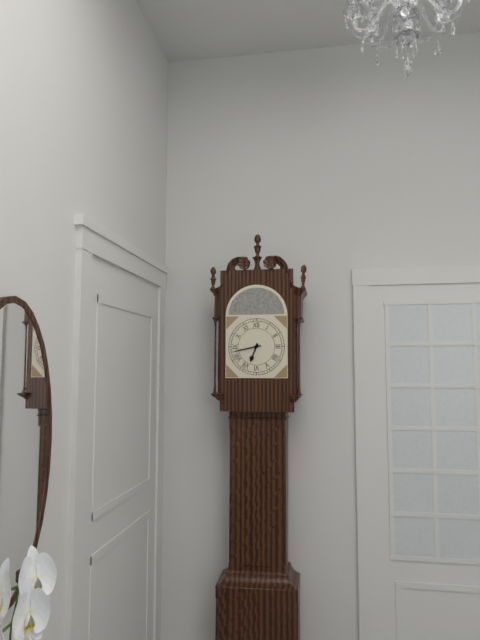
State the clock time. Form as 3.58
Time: 6.43
